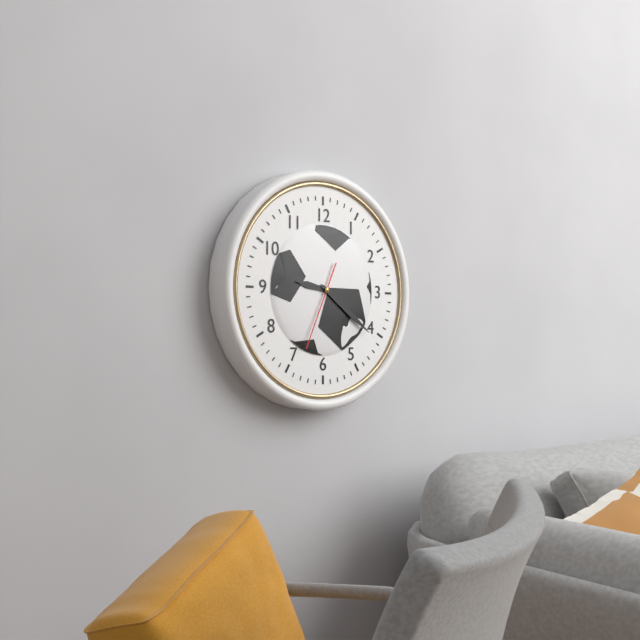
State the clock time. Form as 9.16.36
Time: 9.21.34
